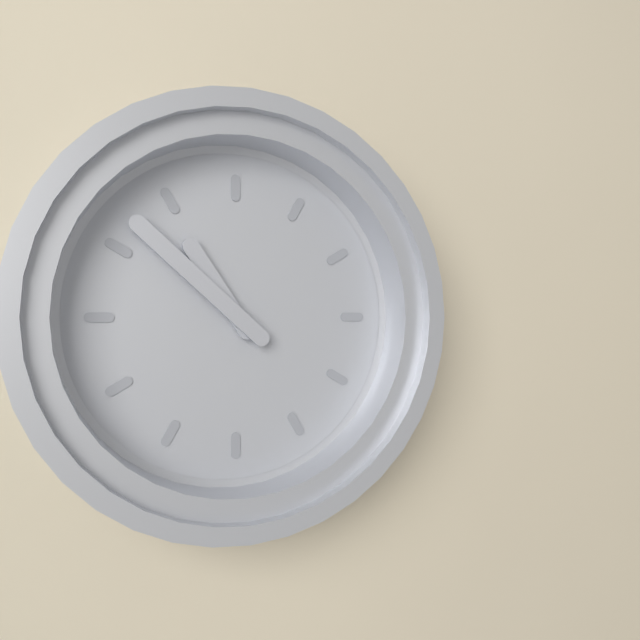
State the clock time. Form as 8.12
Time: 10.52
